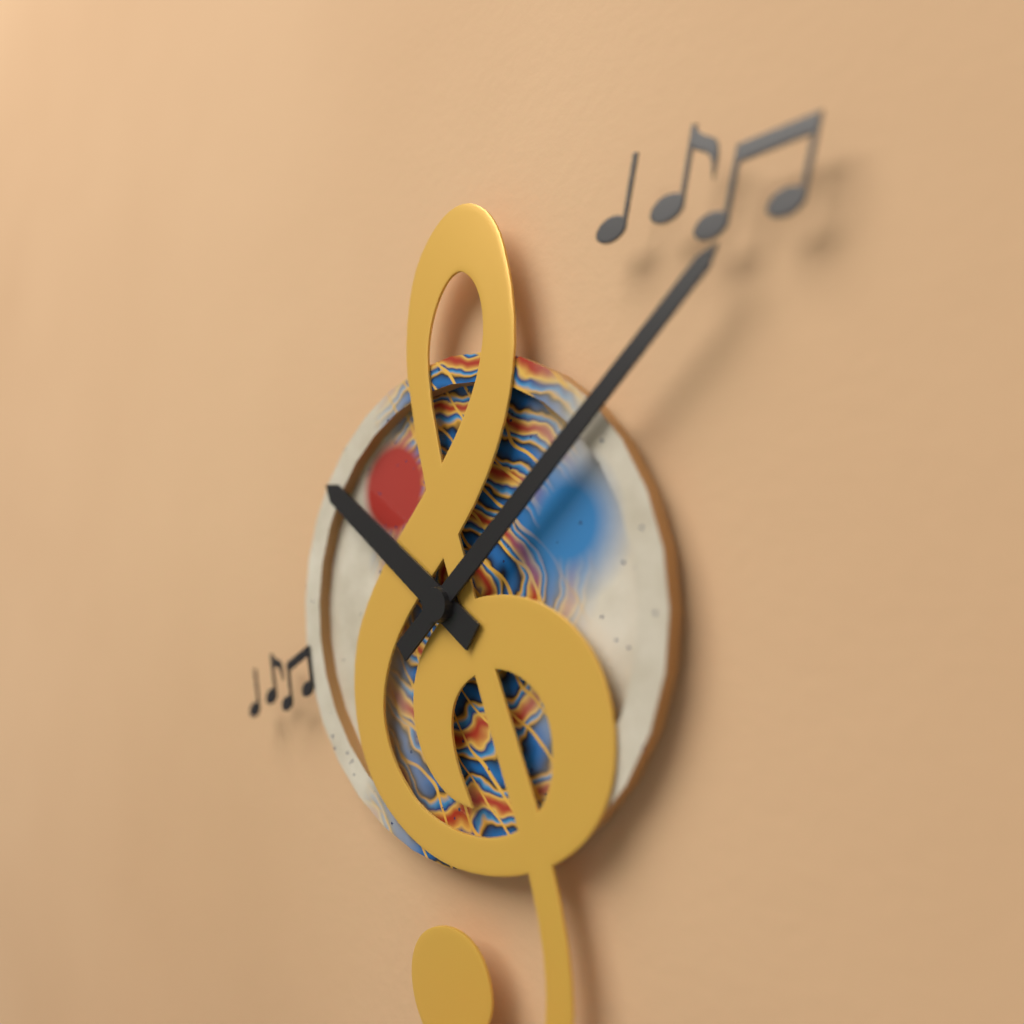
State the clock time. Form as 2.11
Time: 10.08
